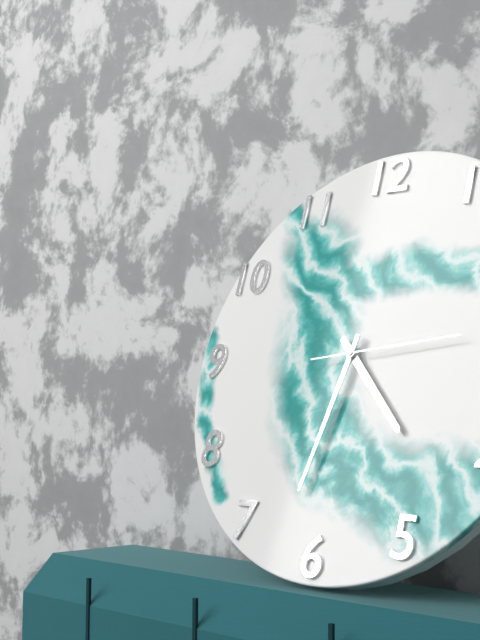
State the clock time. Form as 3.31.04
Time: 4.32.14
